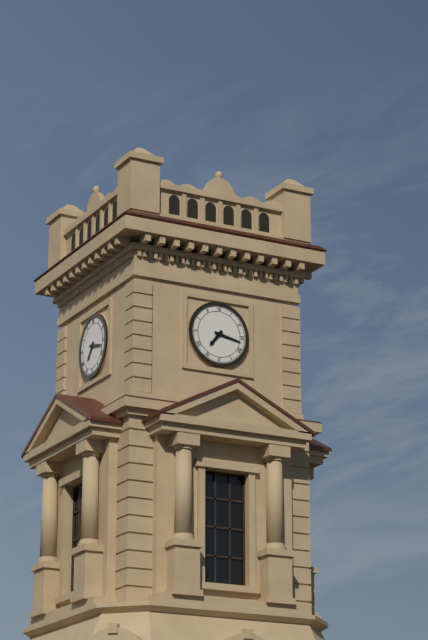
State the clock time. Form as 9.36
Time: 7.17
